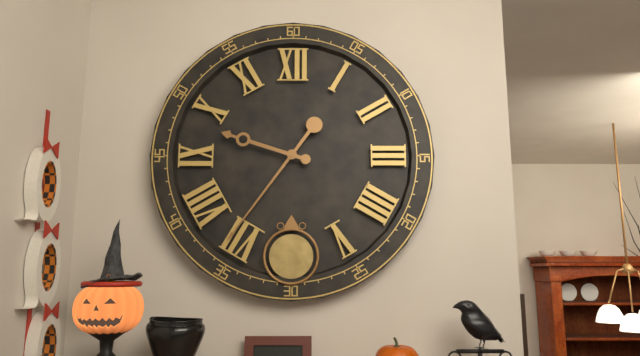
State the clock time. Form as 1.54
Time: 9.36
